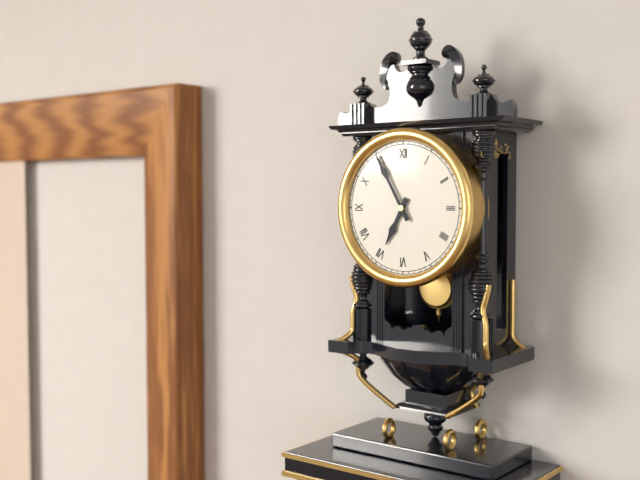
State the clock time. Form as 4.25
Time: 6.55
